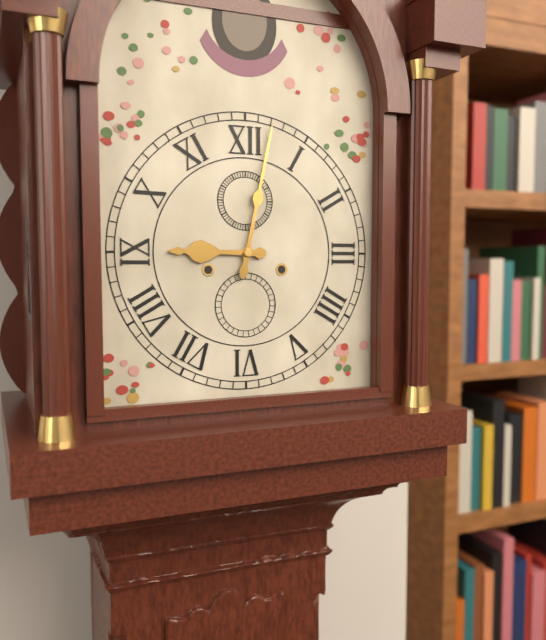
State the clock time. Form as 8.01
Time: 9.02
